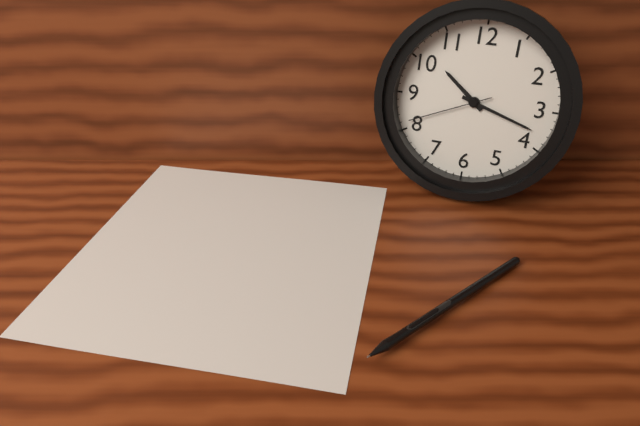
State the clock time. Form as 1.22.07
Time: 10.18.41
